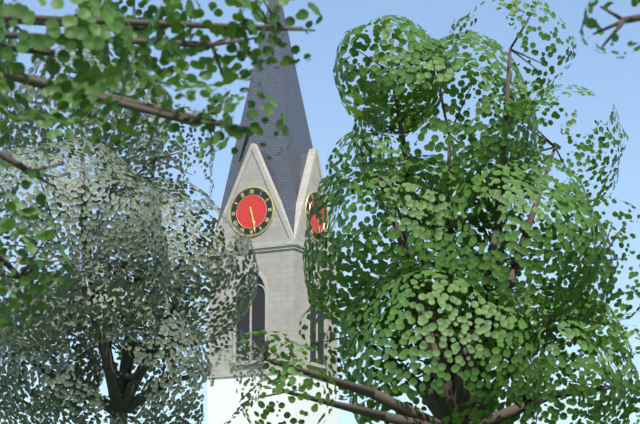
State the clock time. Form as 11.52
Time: 5.28
